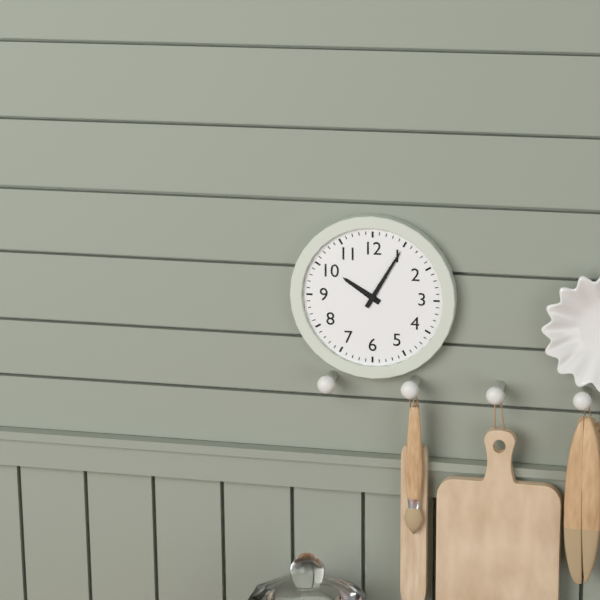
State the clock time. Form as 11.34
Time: 10.05
